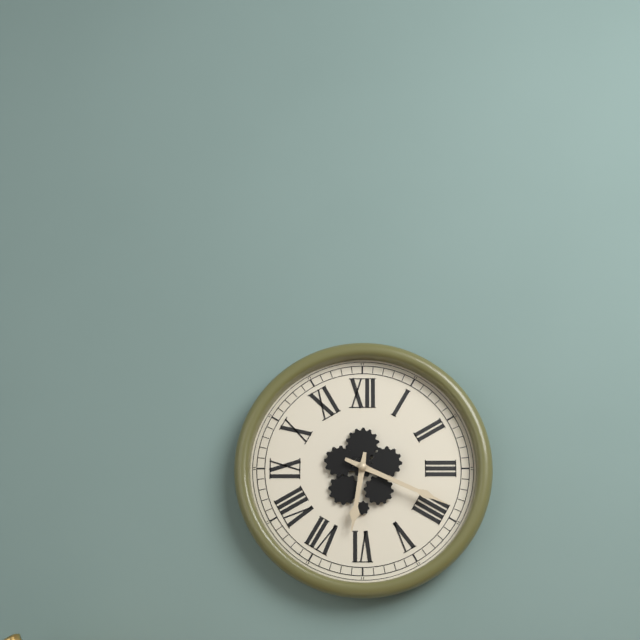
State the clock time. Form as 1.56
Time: 6.19
